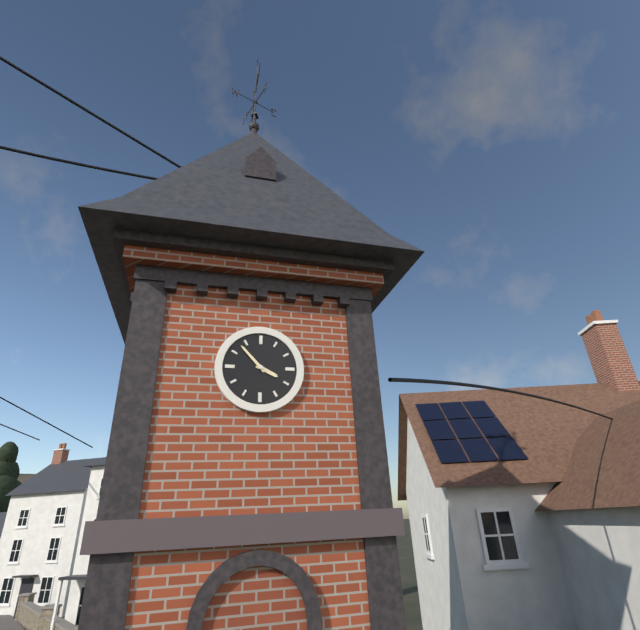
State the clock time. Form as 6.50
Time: 3.53
